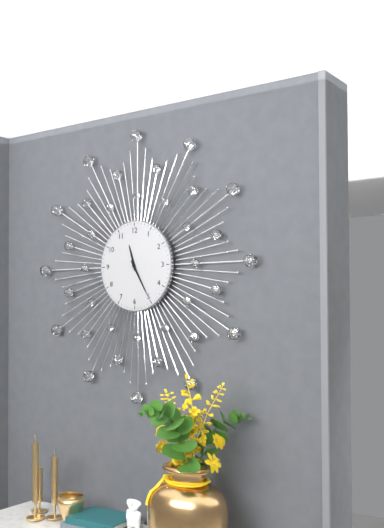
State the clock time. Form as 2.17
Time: 11.25
